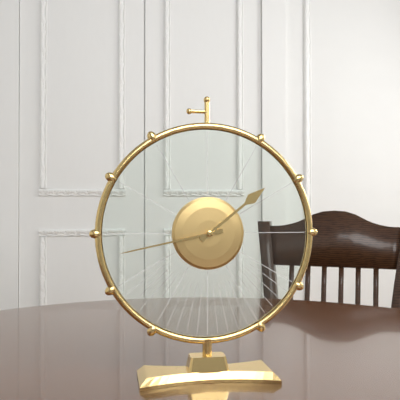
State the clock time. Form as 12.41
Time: 1.43
